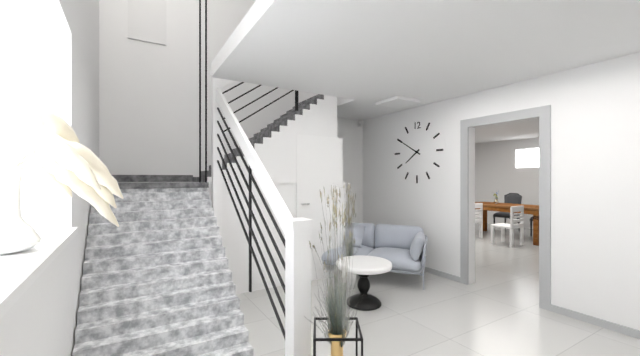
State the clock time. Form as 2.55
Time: 7.50
